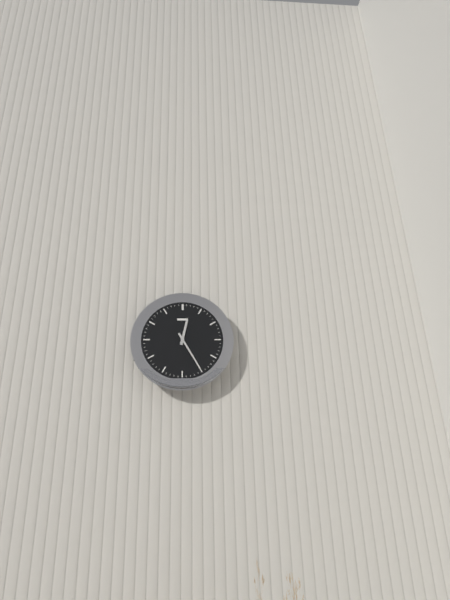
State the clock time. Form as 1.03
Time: 12.25
